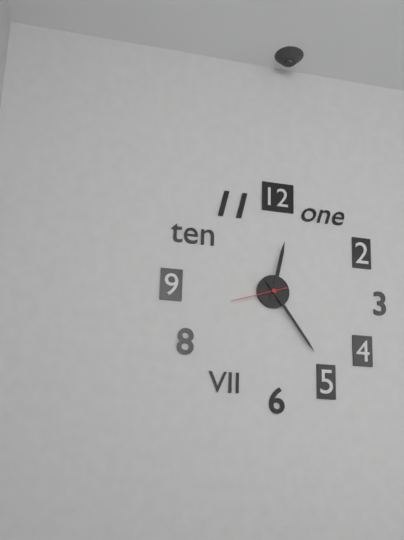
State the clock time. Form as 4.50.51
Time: 12.24.42
